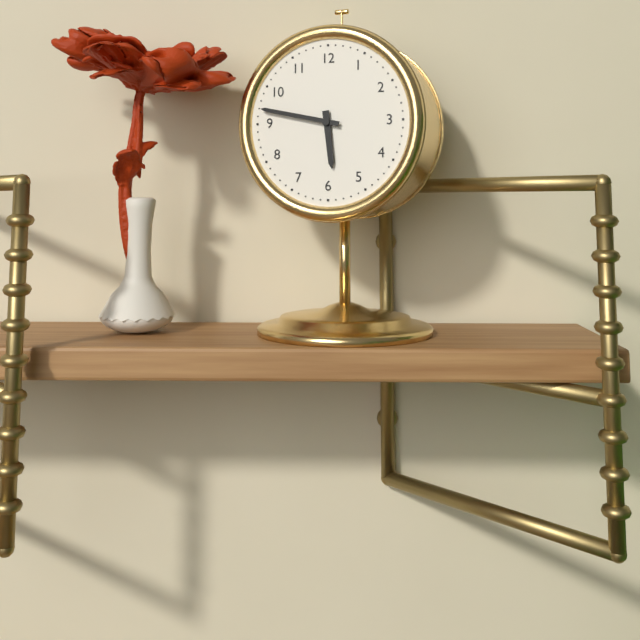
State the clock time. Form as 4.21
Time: 5.47
